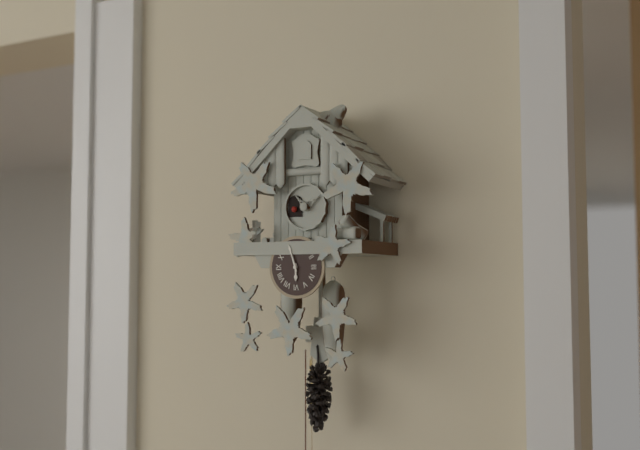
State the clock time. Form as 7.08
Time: 5.57
